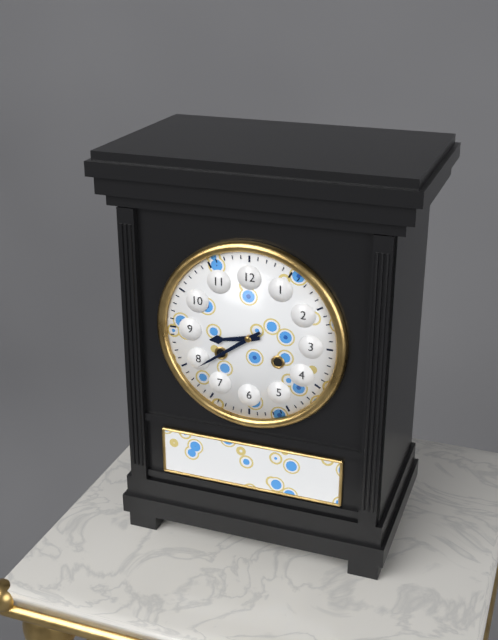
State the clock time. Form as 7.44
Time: 8.39
